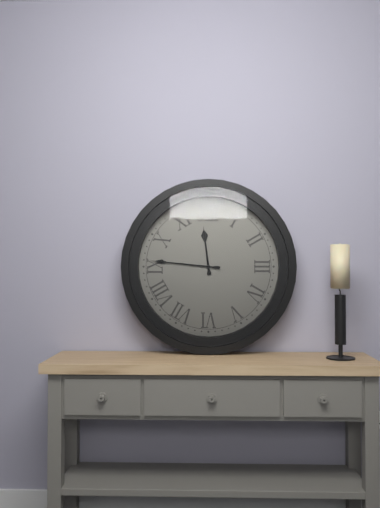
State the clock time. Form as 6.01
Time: 11.46
